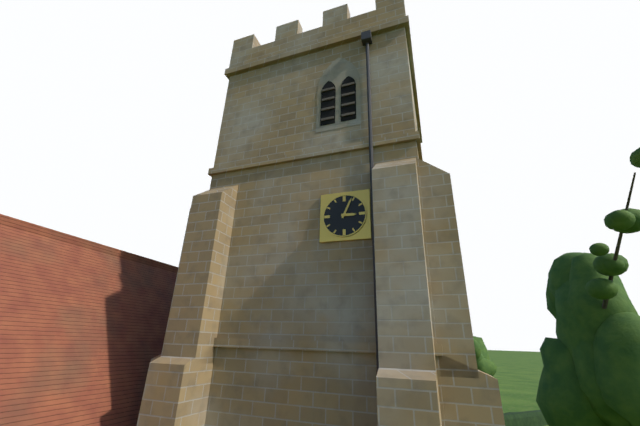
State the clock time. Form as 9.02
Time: 3.04
